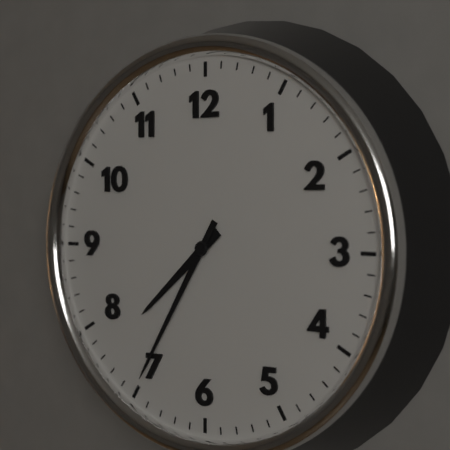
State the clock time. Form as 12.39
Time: 7.35
